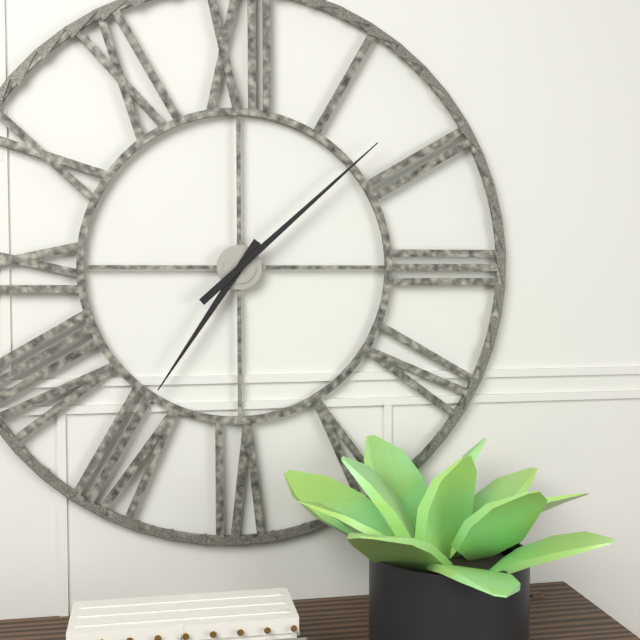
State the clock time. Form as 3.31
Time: 7.08
